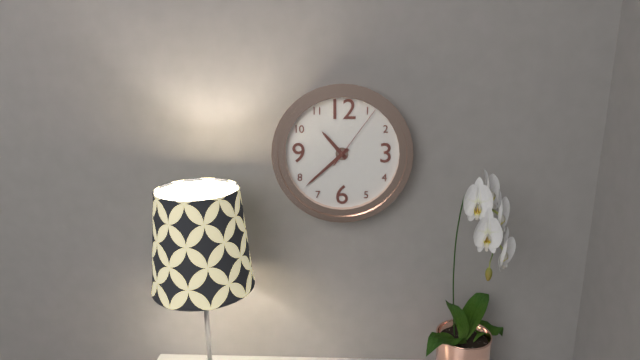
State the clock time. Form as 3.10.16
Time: 10.38.06
